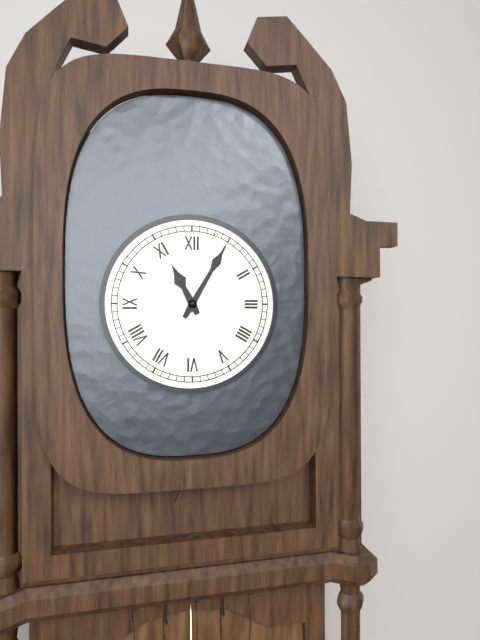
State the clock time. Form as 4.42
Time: 11.05
